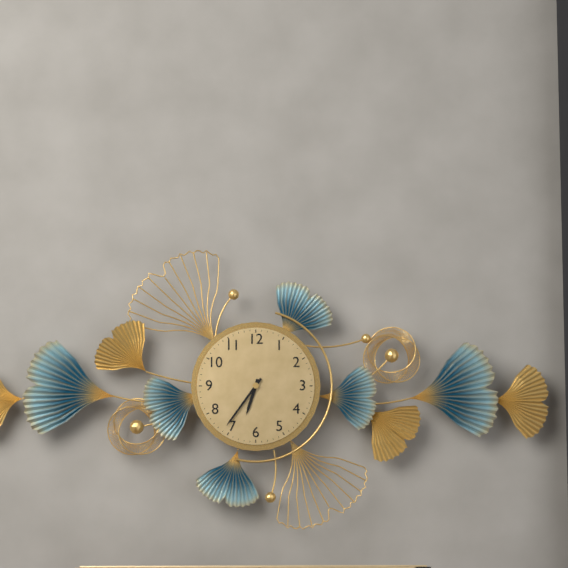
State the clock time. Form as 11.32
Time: 6.36
